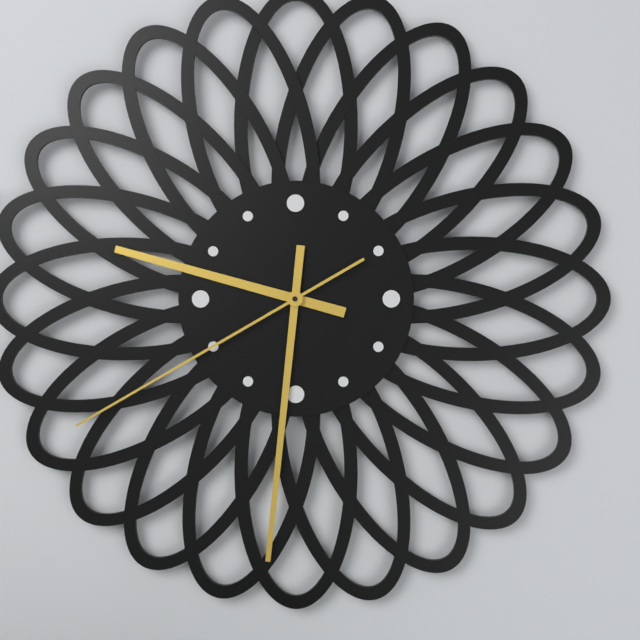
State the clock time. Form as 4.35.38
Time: 9.31.40
